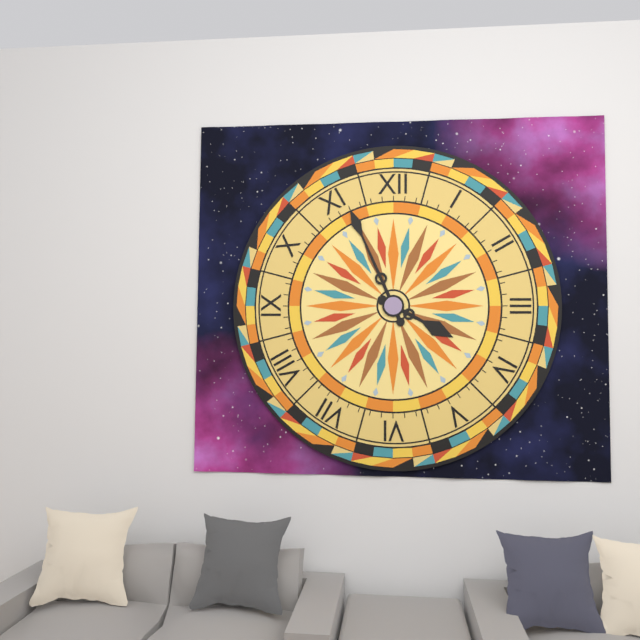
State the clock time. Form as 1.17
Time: 3.56
